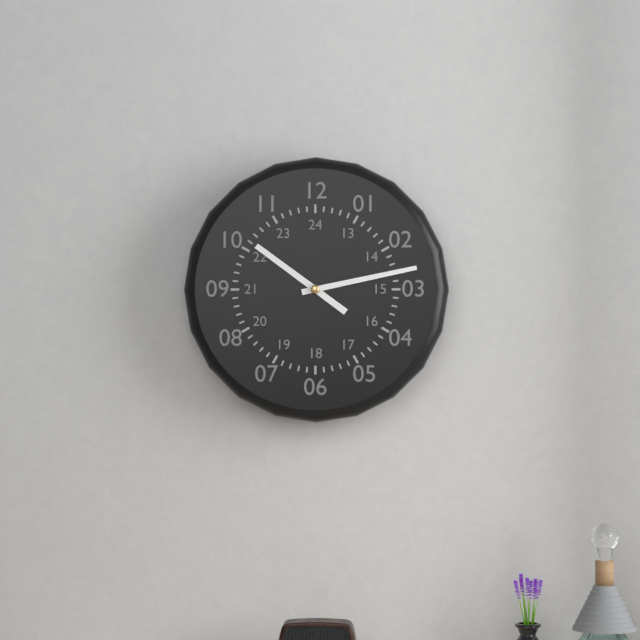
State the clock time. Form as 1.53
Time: 10.13
